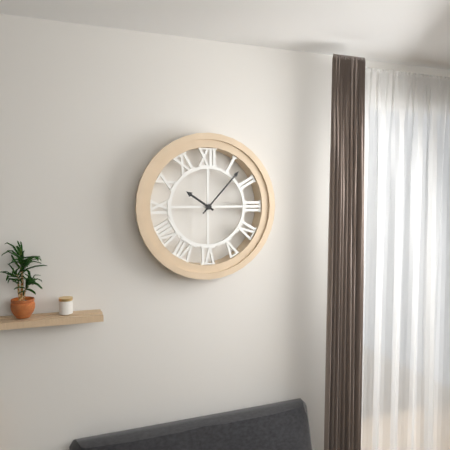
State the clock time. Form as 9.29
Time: 10.07
